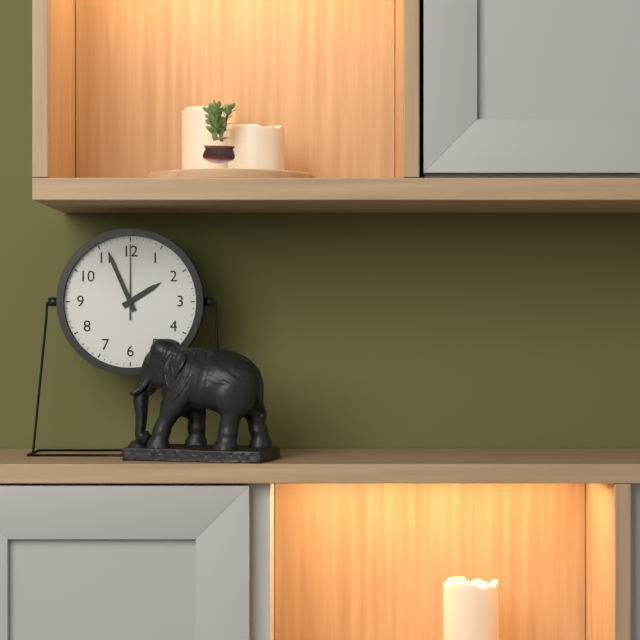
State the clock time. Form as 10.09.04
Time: 1.56.00
